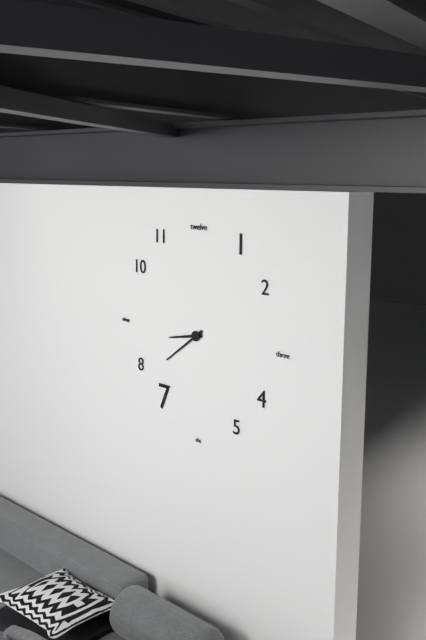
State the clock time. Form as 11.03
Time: 8.39
